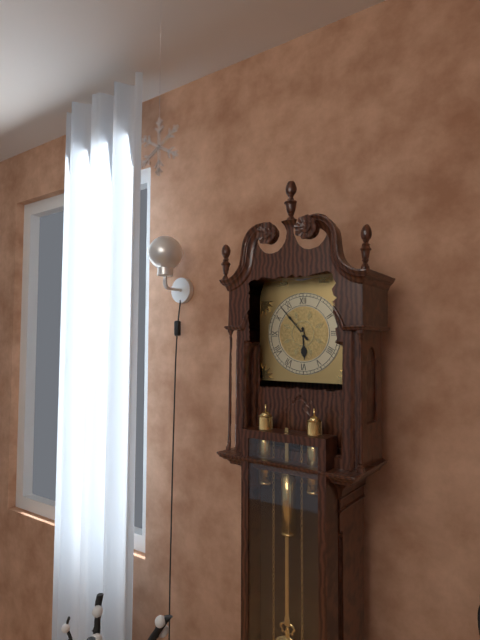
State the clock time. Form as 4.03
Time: 5.53
